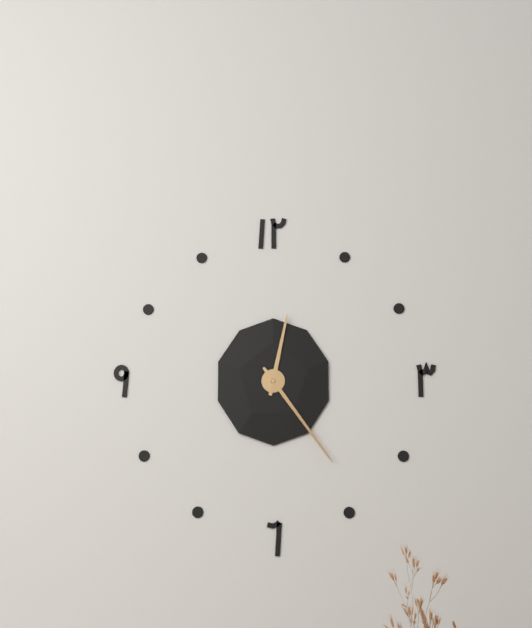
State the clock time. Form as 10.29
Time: 12.24
